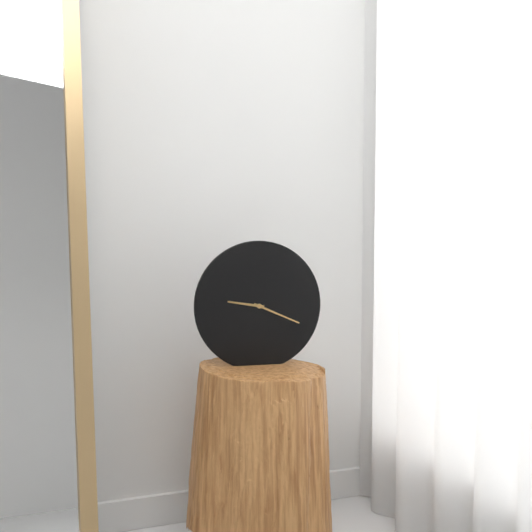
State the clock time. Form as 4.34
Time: 9.19
